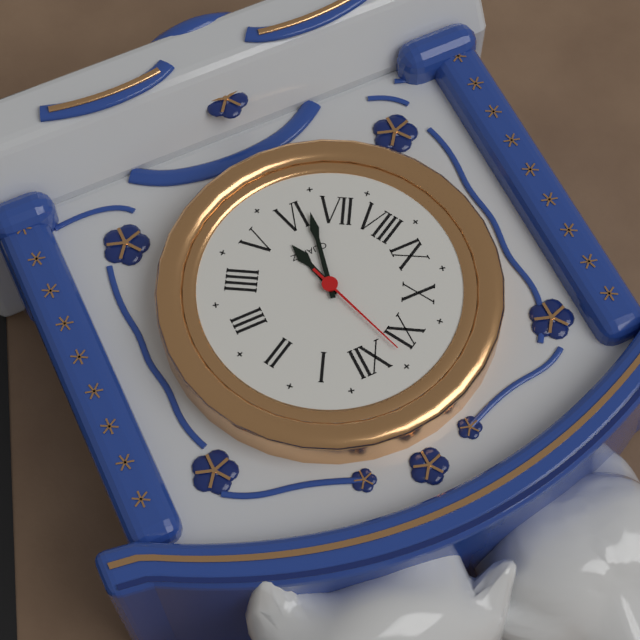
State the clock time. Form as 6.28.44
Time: 5.32.57
